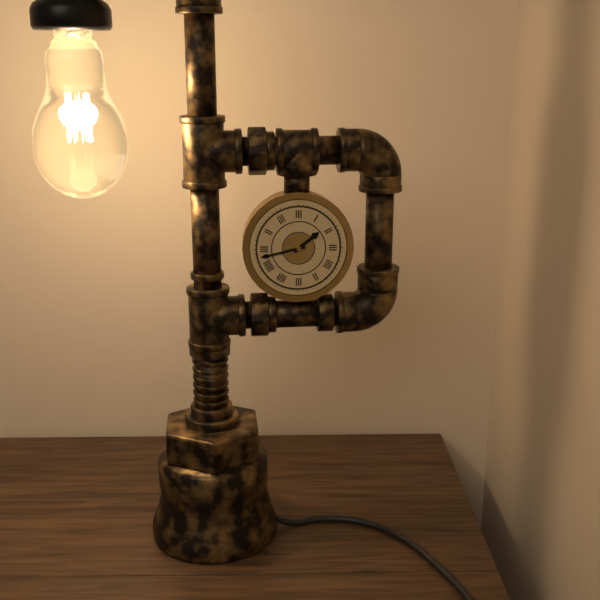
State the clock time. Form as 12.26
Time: 1.43
